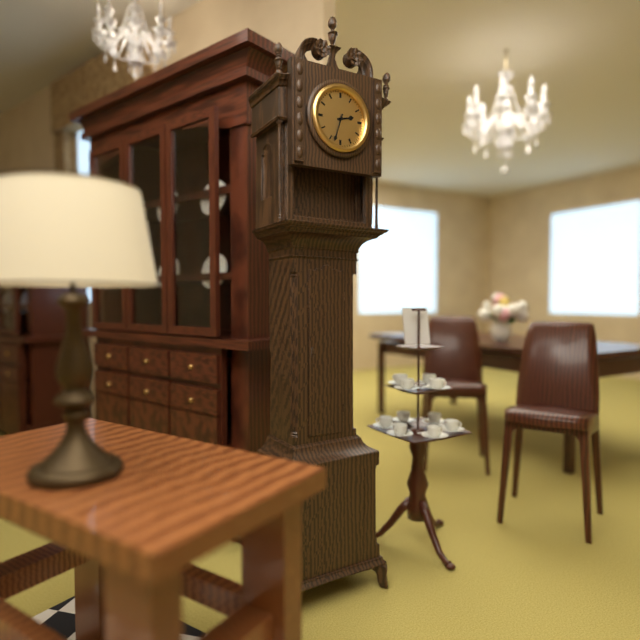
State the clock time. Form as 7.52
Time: 2.33
